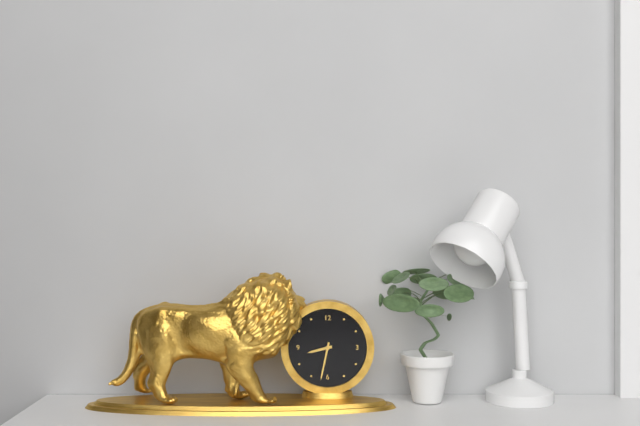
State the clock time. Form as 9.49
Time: 8.32
